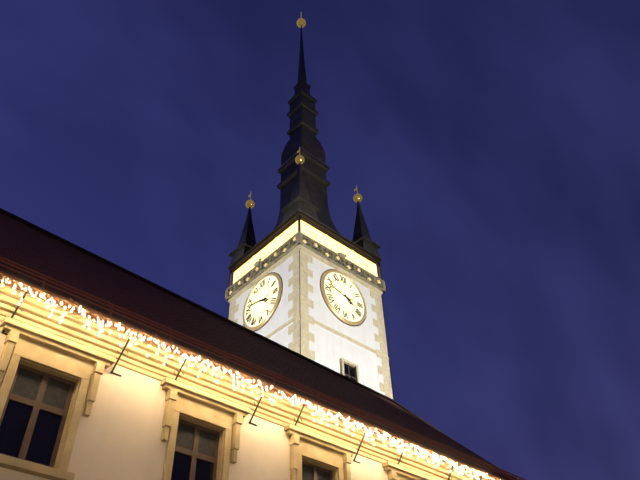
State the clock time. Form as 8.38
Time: 3.47
